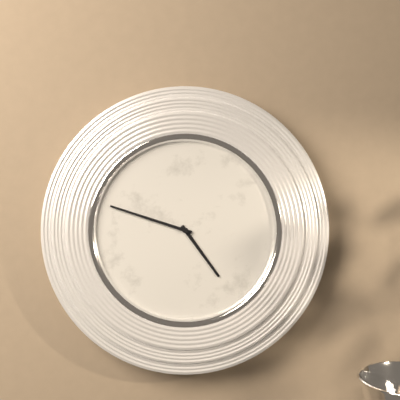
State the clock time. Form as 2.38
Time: 4.48
